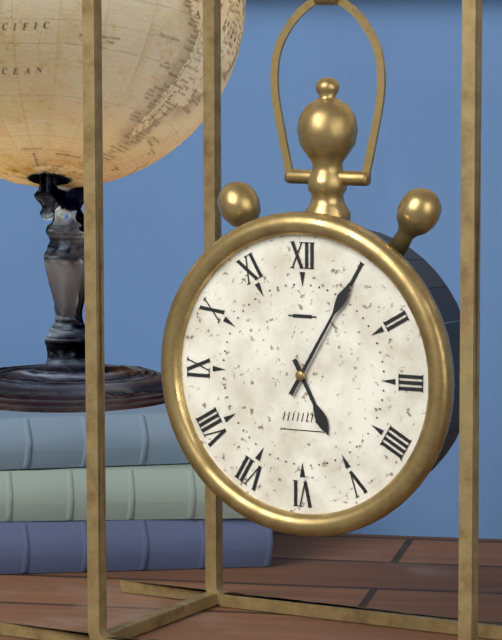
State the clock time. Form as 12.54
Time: 5.05
